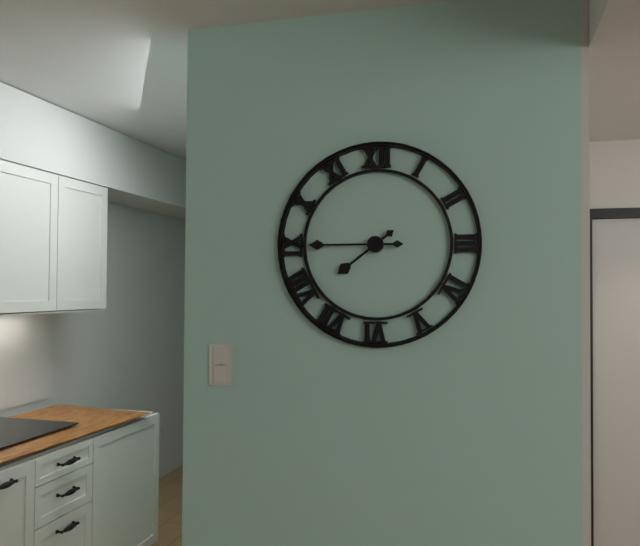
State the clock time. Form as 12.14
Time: 7.45
